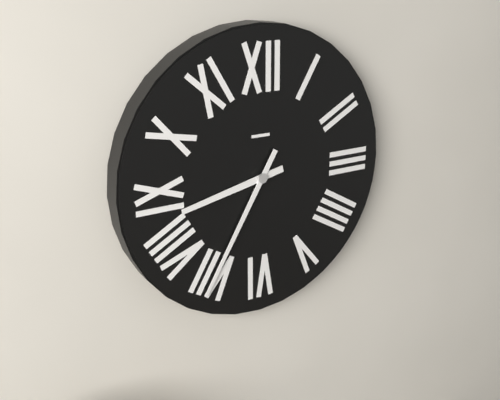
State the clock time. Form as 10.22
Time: 8.35
